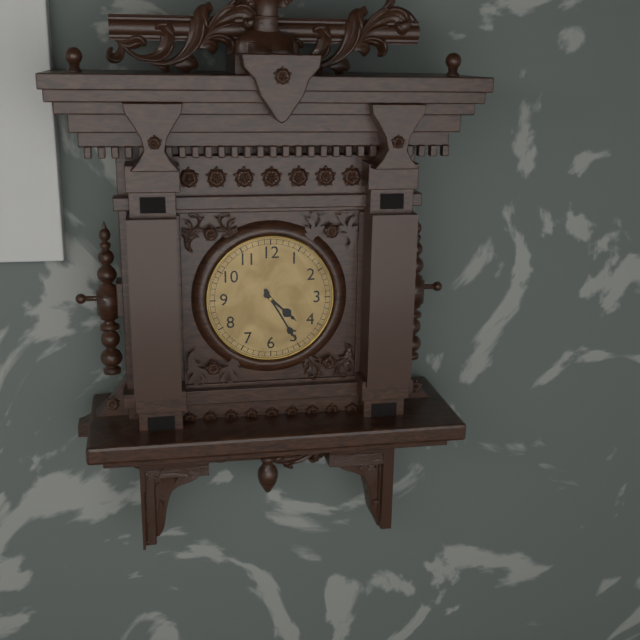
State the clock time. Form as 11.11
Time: 4.25
